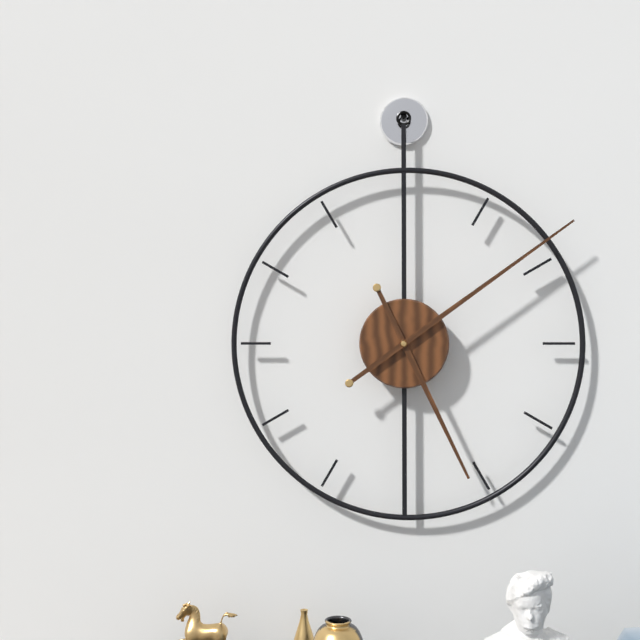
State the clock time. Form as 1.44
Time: 5.09
